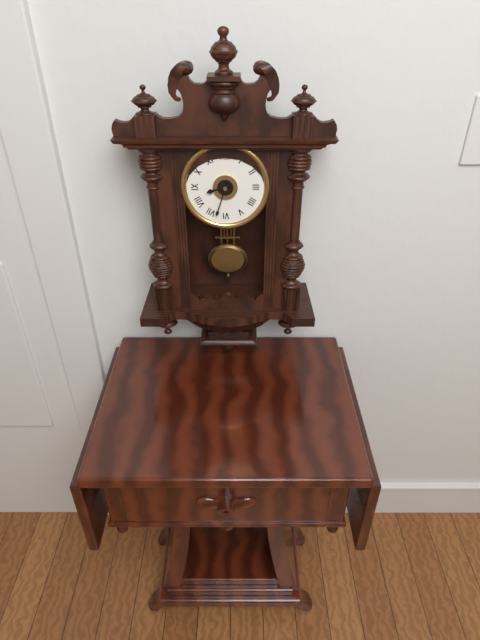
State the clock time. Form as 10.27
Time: 8.33
